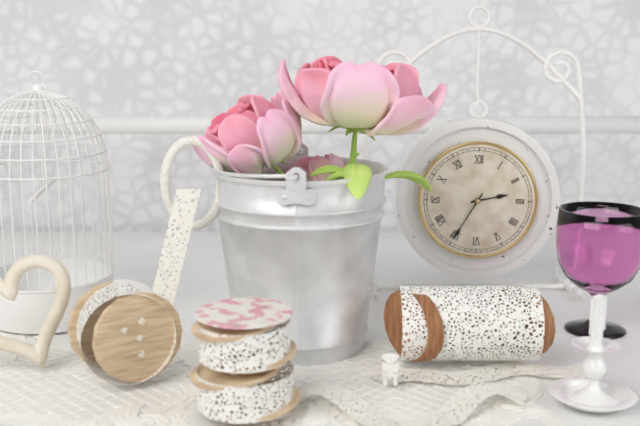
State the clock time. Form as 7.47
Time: 2.35
